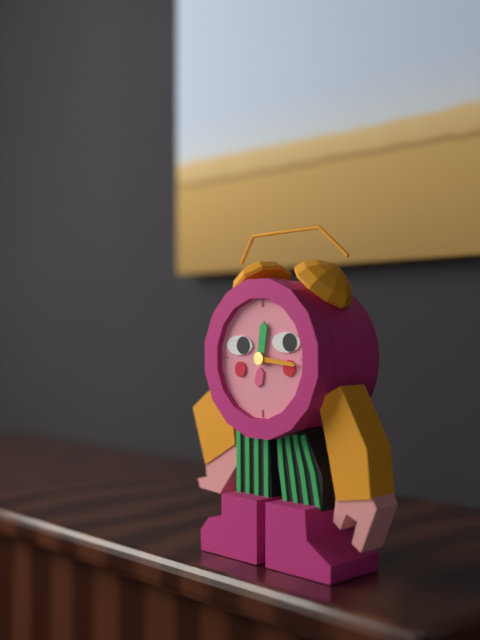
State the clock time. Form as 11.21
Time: 12.16
